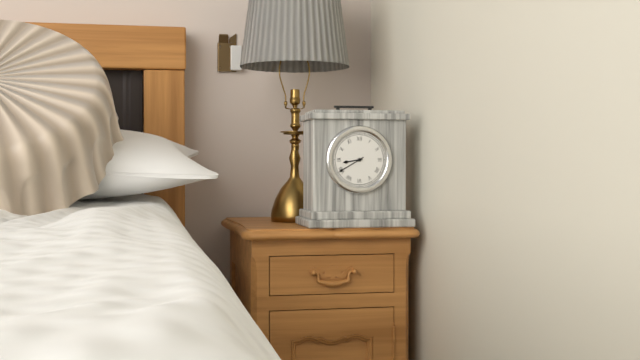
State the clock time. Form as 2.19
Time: 8.40
